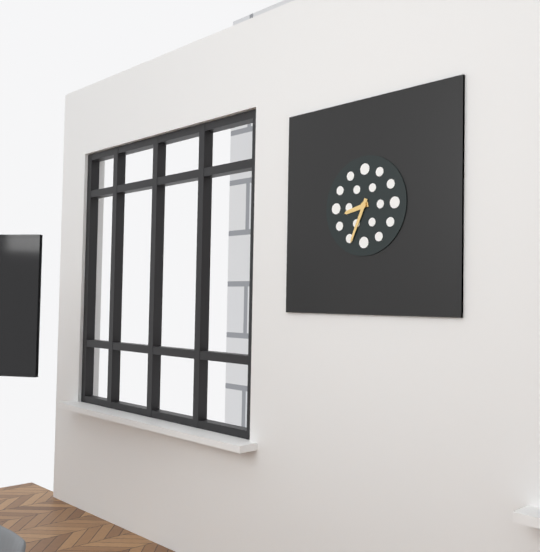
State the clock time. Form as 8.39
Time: 8.34
